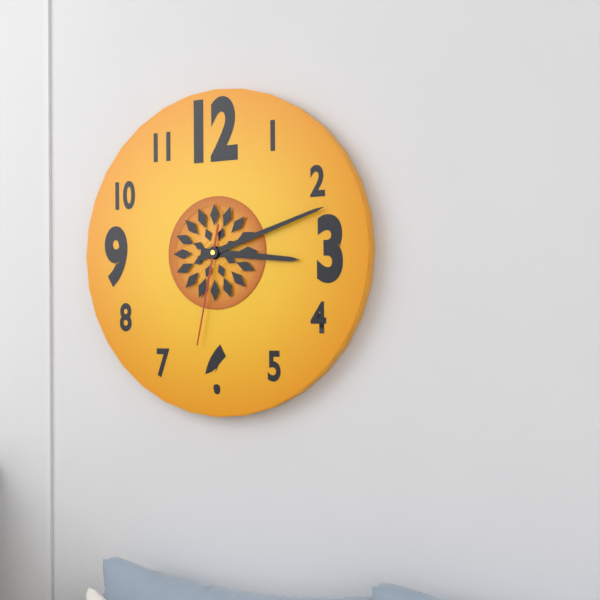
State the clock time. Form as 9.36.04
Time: 3.12.32
